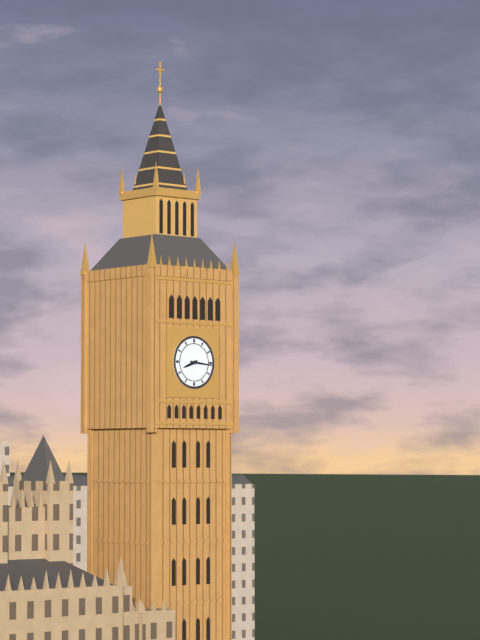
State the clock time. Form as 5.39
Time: 8.16
